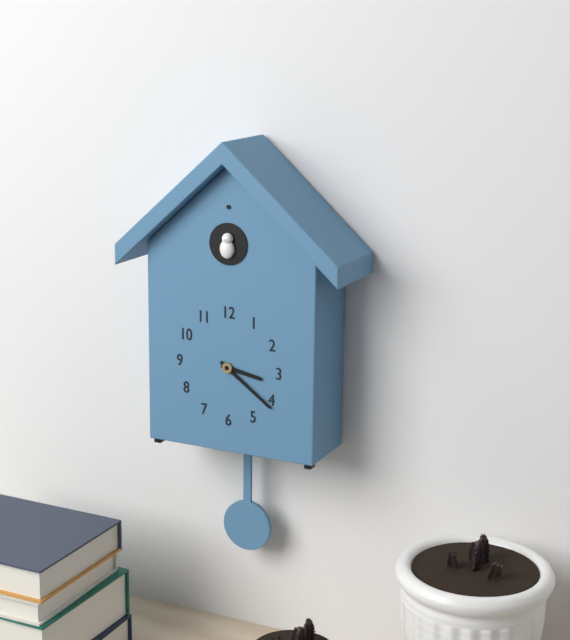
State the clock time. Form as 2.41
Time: 3.21
